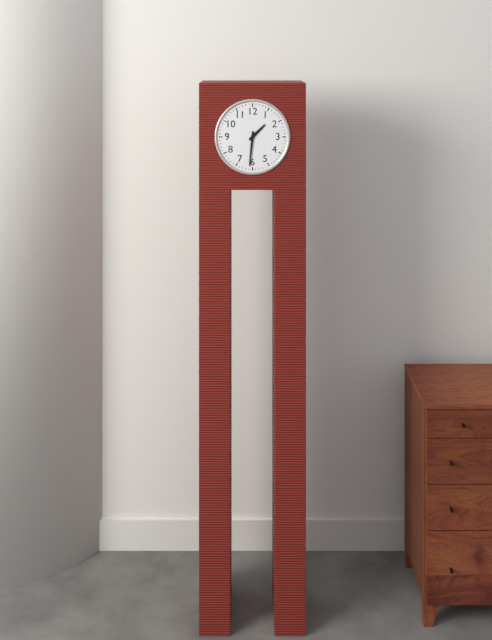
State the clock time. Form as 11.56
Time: 1.31
